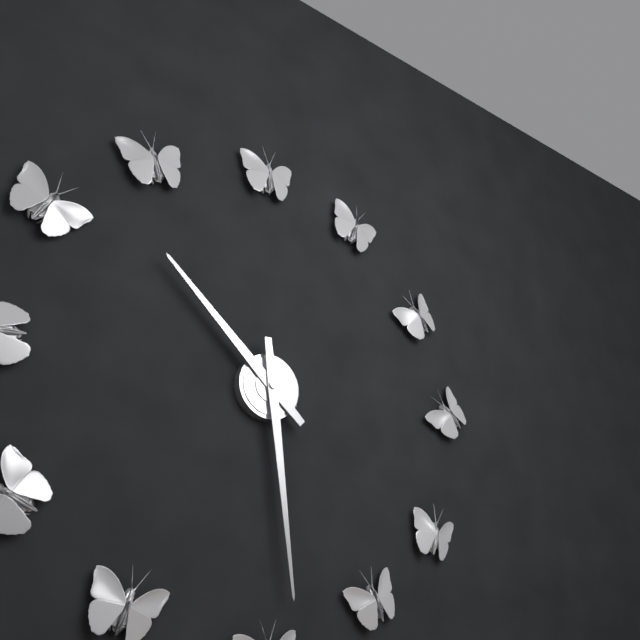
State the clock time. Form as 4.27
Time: 10.29
